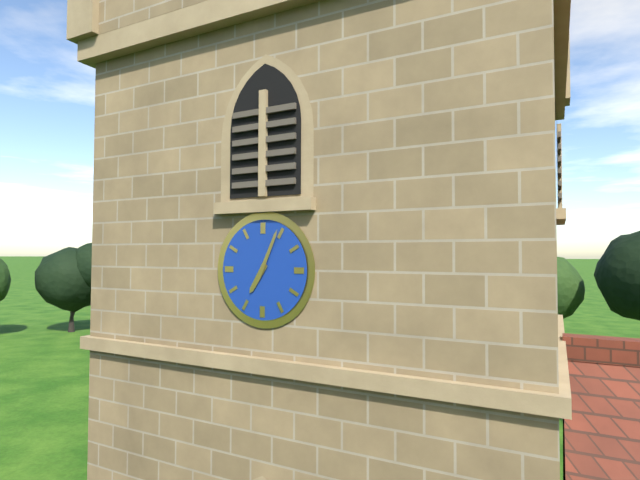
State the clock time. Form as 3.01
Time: 7.04
